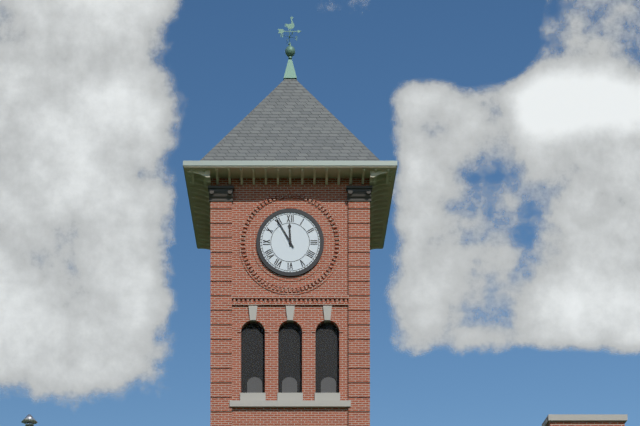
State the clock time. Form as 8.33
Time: 11.55
